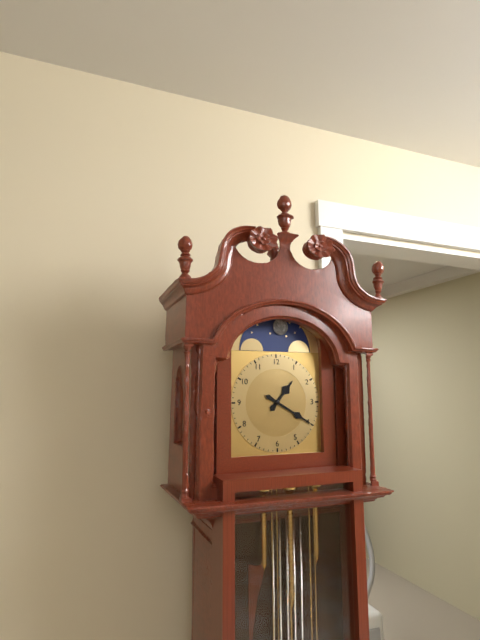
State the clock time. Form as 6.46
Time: 1.20
